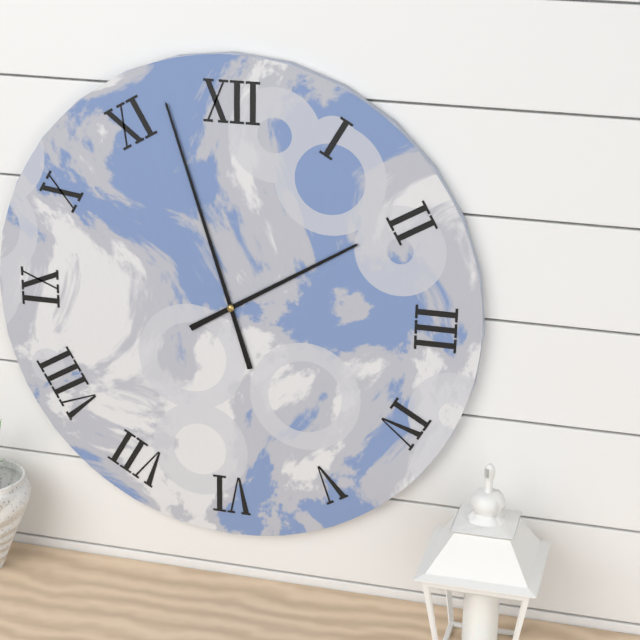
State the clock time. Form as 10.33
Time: 1.57
